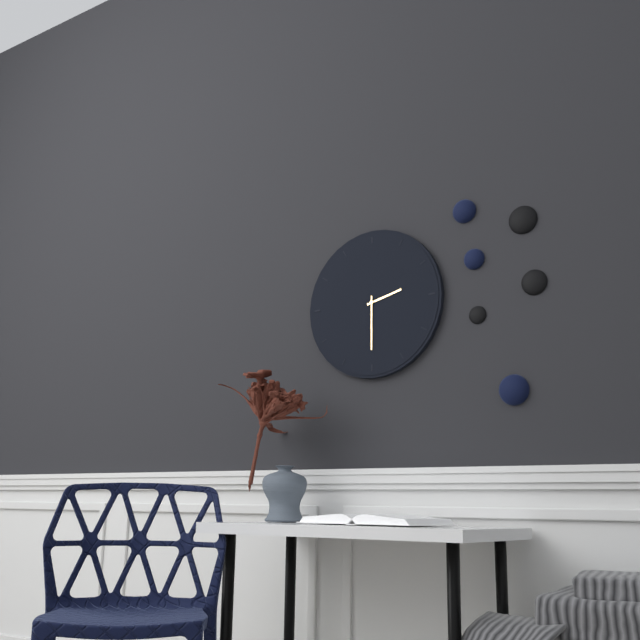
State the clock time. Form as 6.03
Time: 2.30
